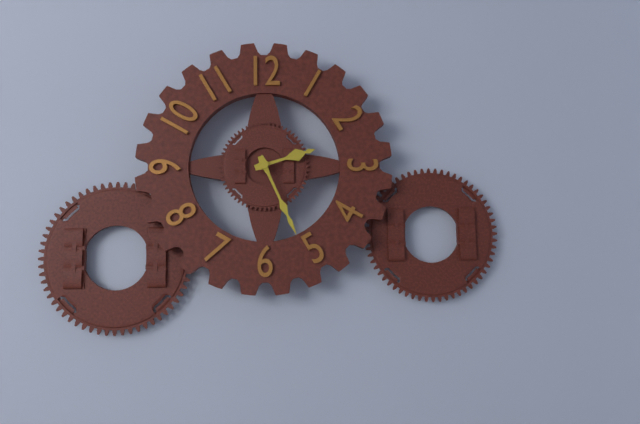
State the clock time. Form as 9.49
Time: 2.26
